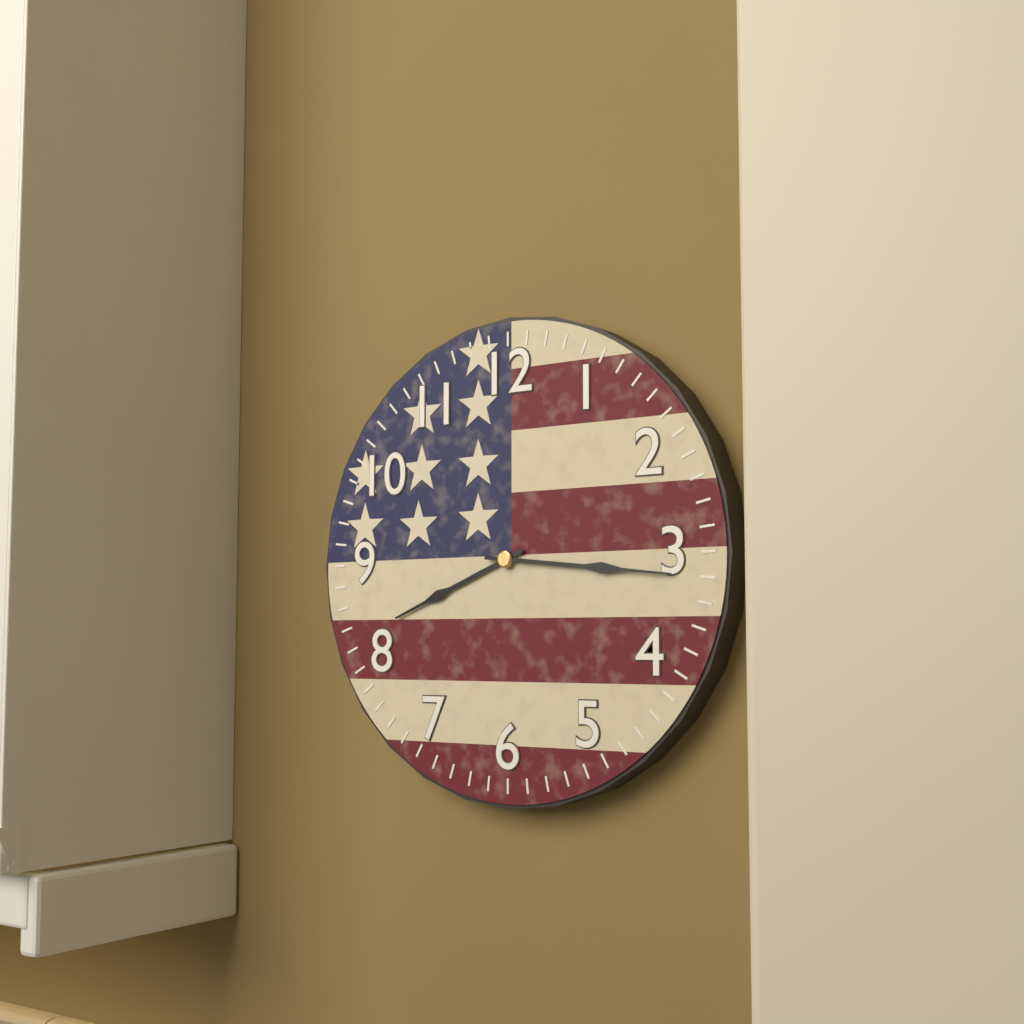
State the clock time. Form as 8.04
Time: 8.16
